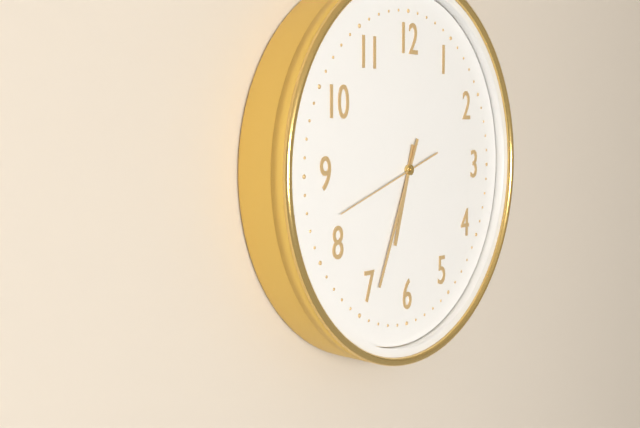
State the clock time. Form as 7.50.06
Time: 6.34.42
